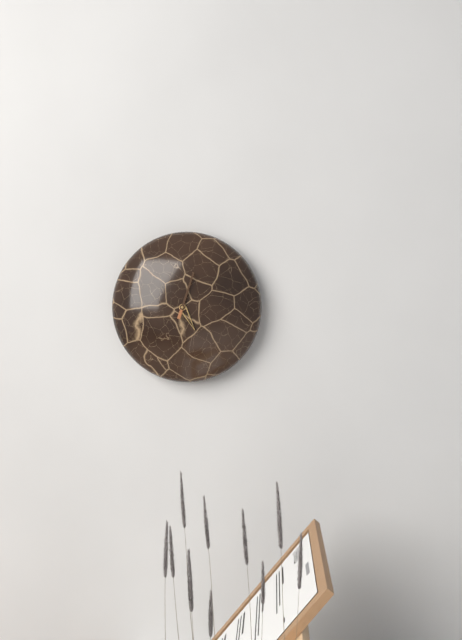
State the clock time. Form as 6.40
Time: 5.03
